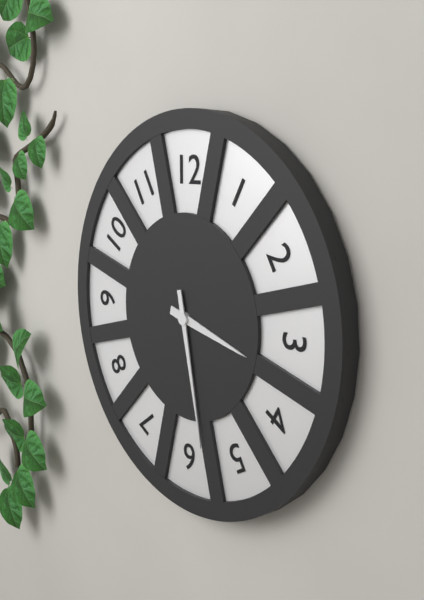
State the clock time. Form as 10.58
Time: 3.28
